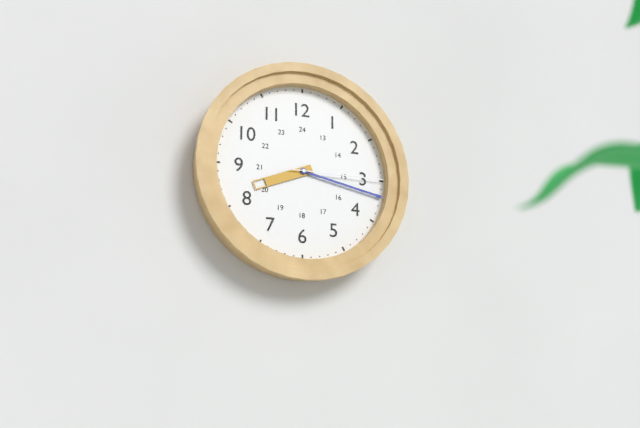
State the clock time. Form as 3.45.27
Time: 8.17.15
